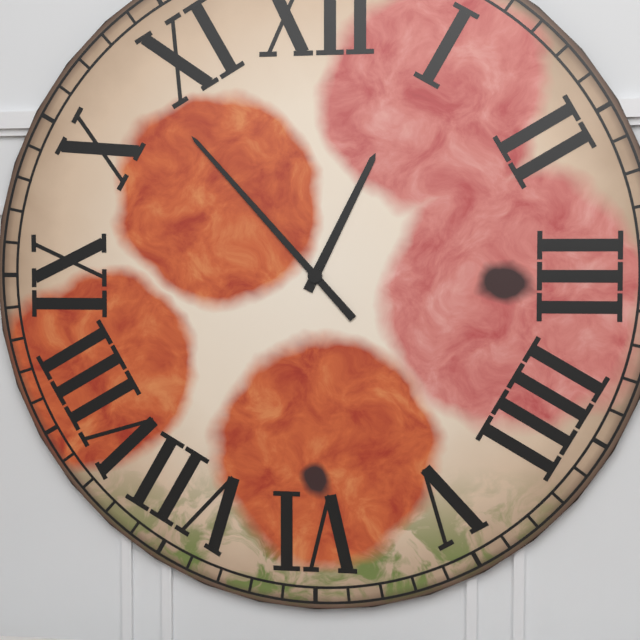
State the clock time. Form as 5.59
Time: 12.53
